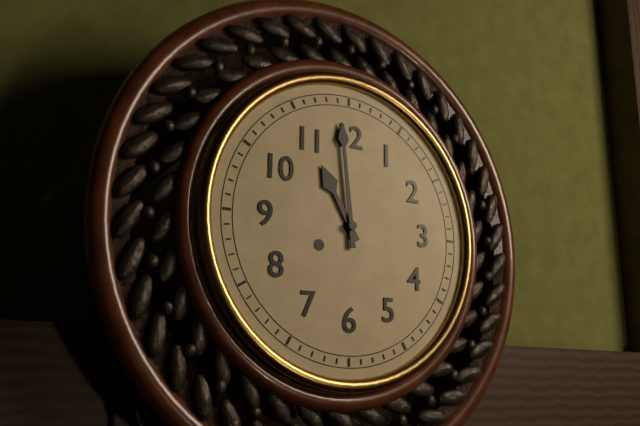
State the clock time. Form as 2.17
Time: 10.59
